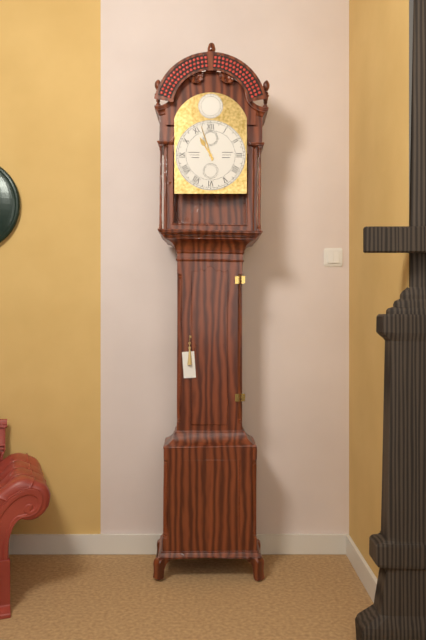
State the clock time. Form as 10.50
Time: 10.57
